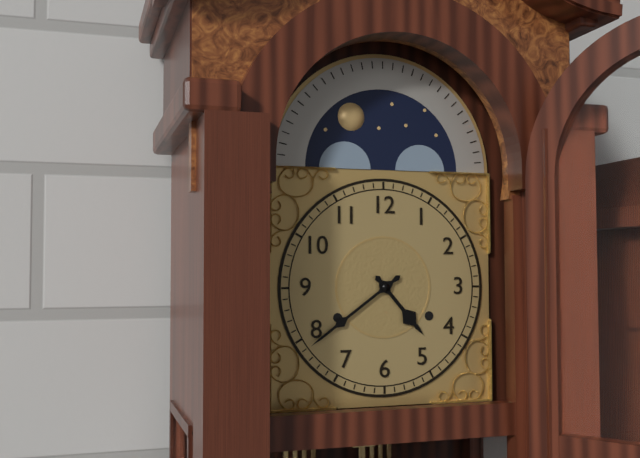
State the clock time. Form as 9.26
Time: 4.39
